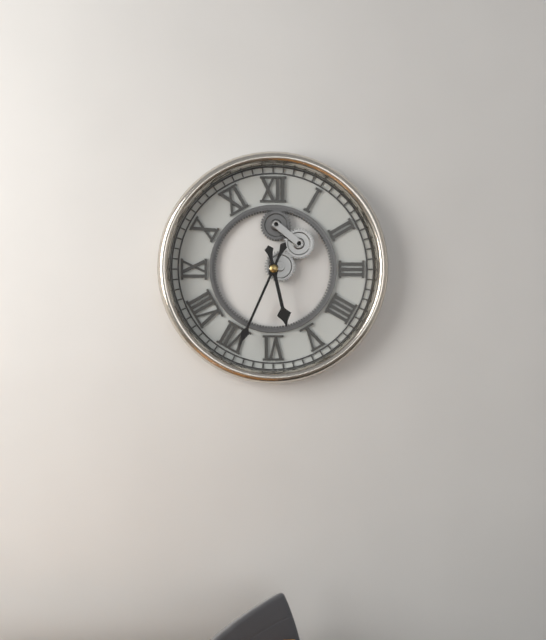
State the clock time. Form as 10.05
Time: 5.34
